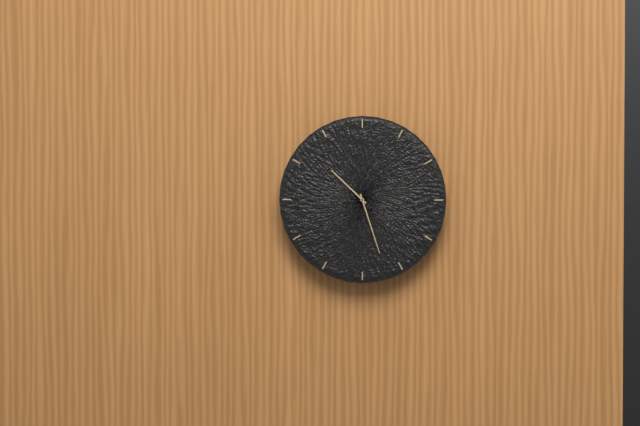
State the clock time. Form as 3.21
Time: 10.27
